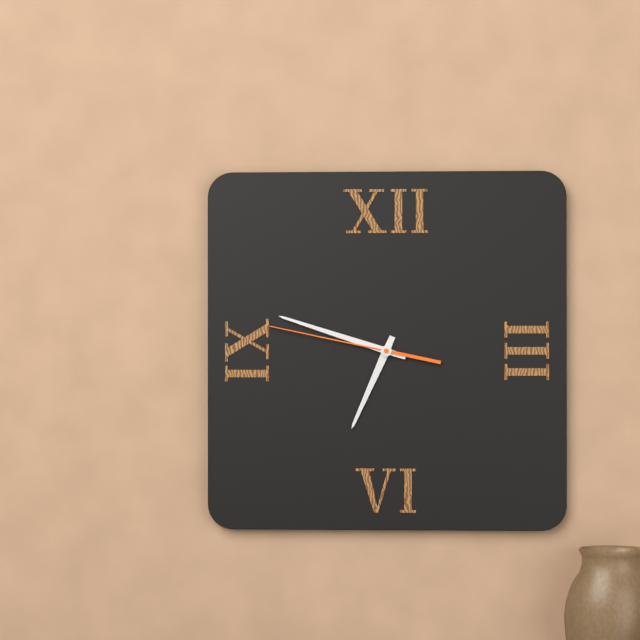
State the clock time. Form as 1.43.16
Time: 6.48.47
